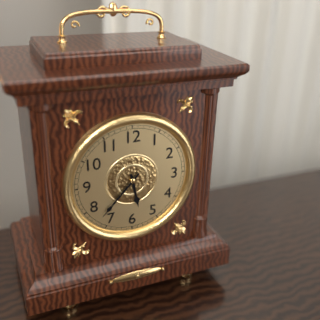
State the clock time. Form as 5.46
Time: 5.37
